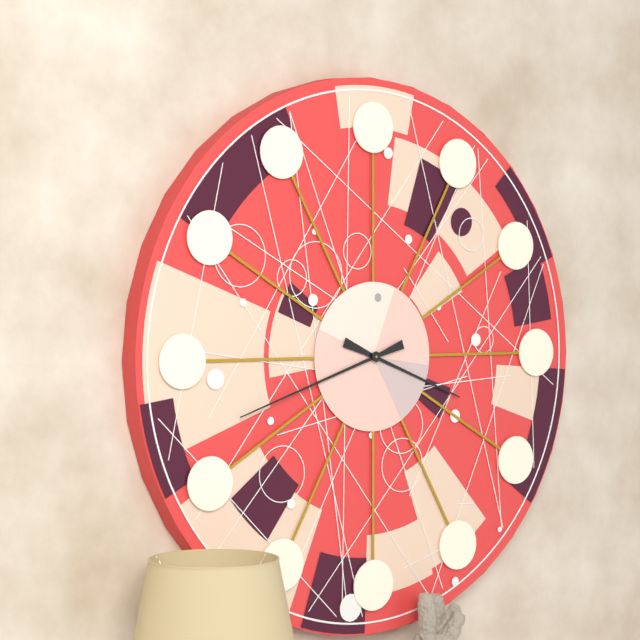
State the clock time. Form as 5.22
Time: 3.42
